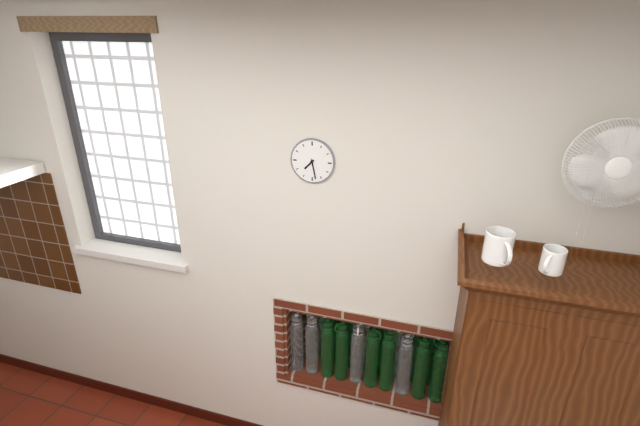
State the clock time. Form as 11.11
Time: 7.28
